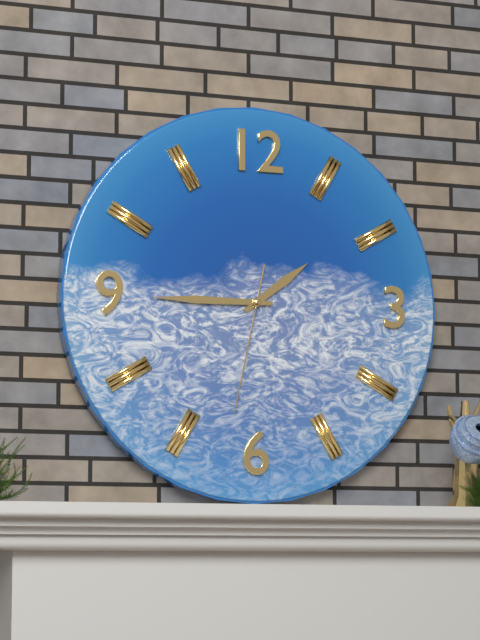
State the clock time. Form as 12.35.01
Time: 1.45.32
